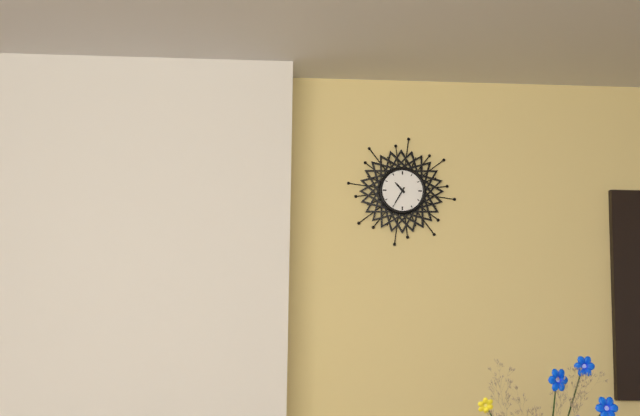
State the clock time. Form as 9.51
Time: 10.35
